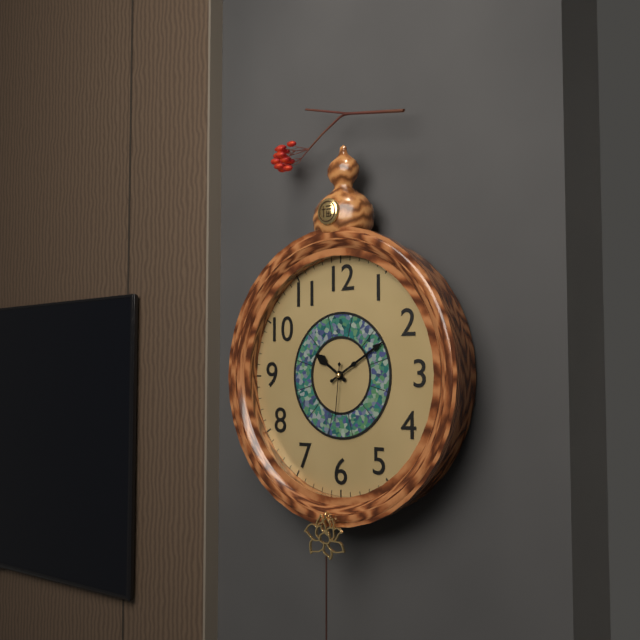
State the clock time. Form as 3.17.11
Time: 10.10.31
